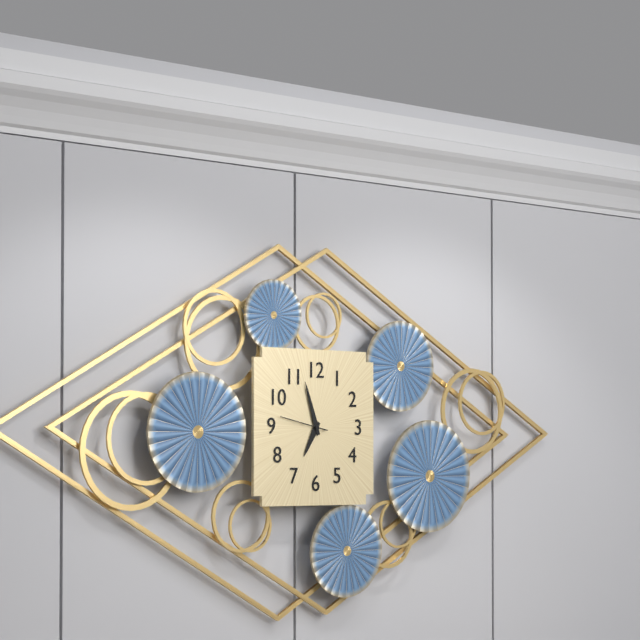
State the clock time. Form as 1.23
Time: 6.57
